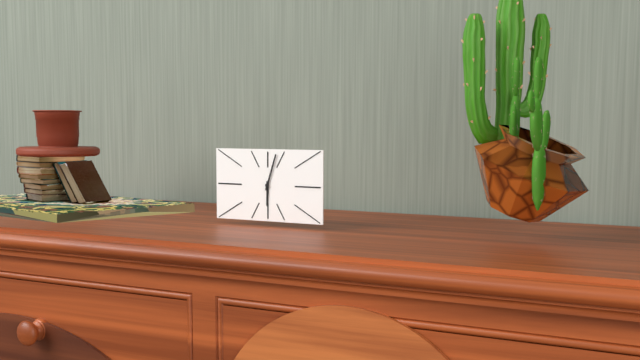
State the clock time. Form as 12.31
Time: 6.03
